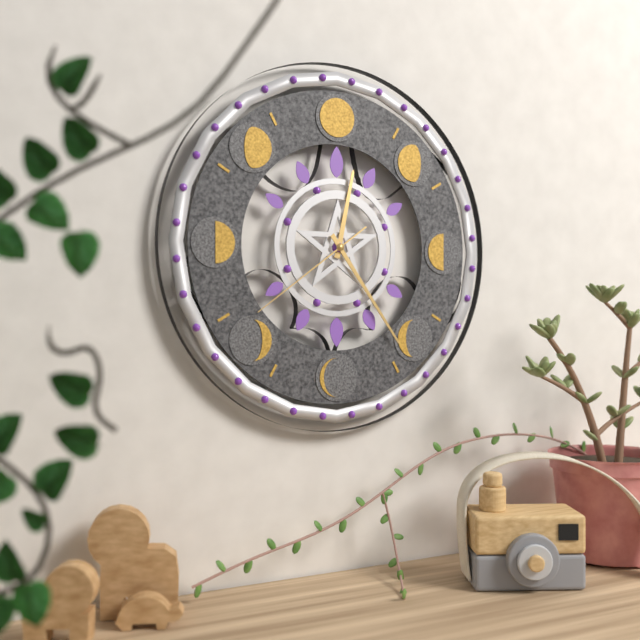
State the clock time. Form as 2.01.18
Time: 12.24.39
